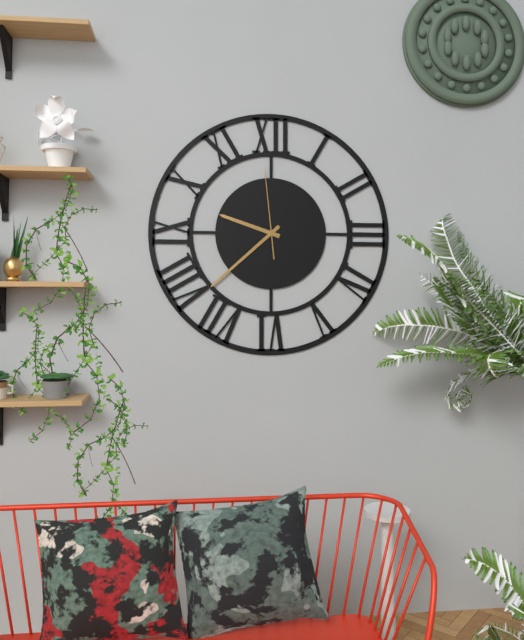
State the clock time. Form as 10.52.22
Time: 9.38.59
